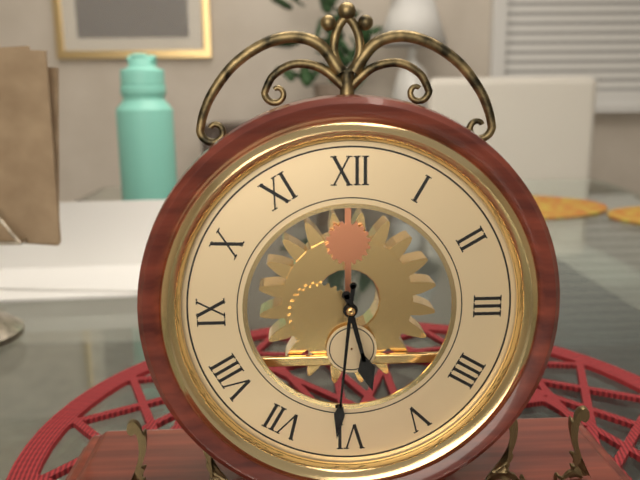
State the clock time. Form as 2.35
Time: 5.31
